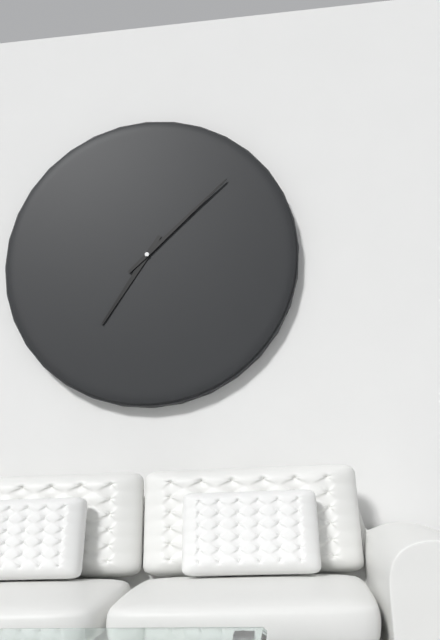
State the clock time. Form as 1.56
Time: 7.08
